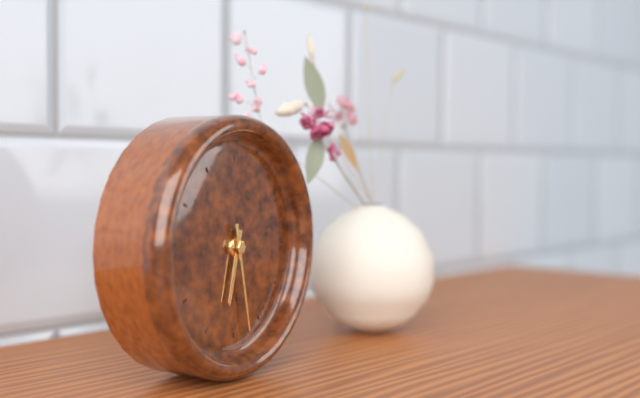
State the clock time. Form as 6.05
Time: 6.28
